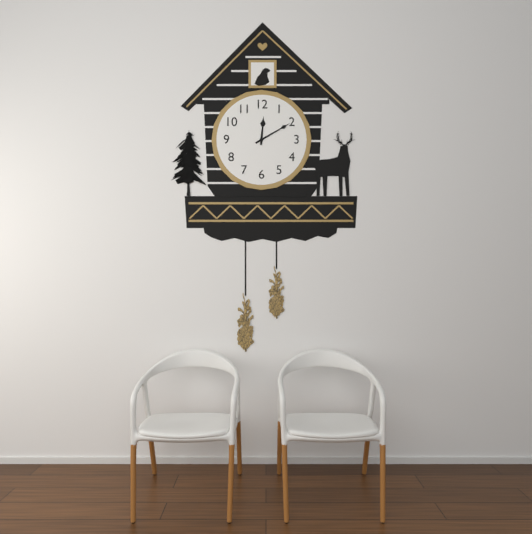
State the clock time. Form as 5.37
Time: 12.10
